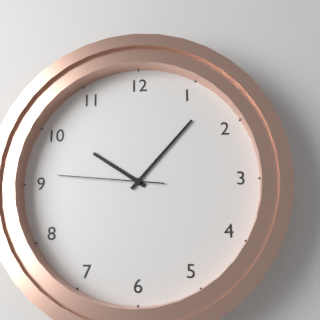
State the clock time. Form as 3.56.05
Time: 10.07.46
